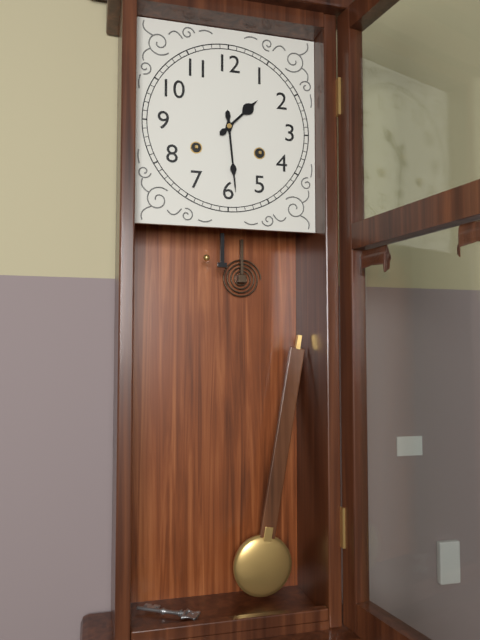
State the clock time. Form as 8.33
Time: 1.29
